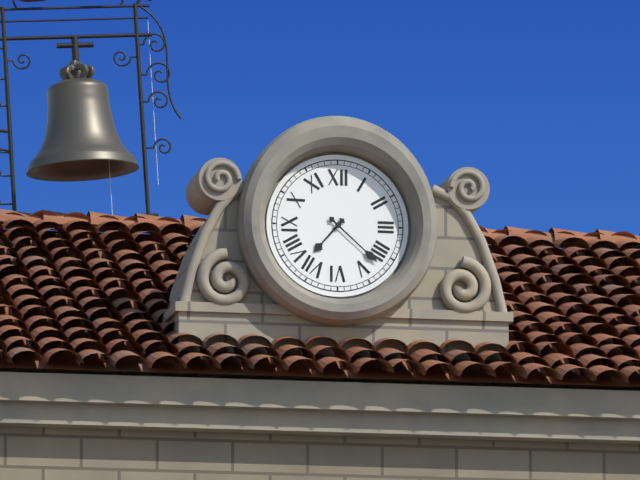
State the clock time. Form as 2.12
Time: 7.22
